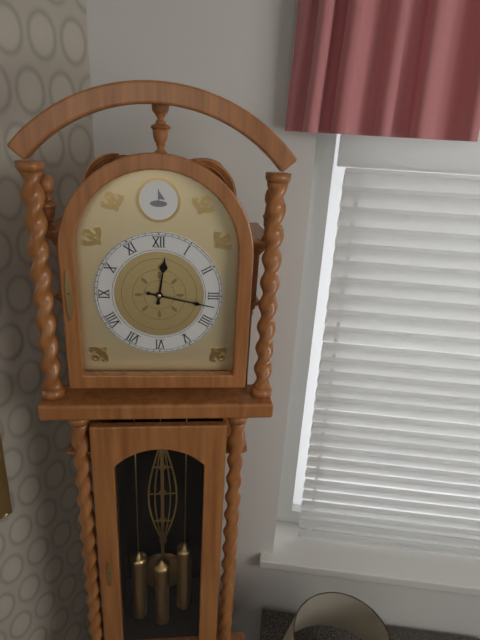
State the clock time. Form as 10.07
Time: 12.17
